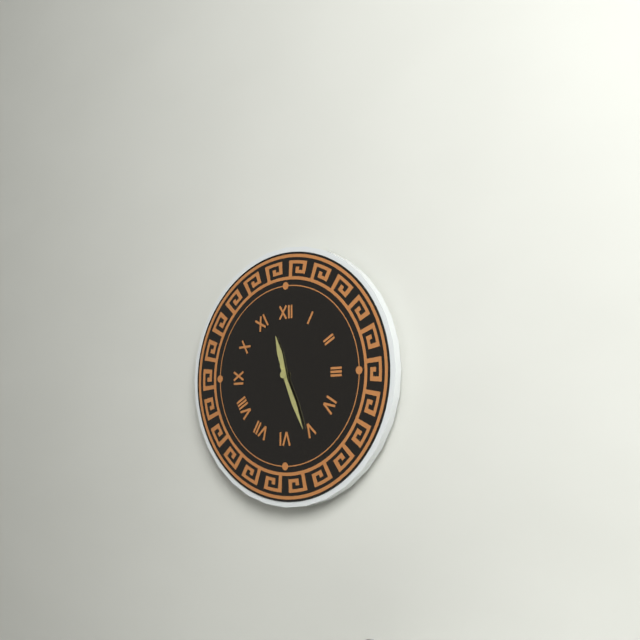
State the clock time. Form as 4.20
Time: 11.26
